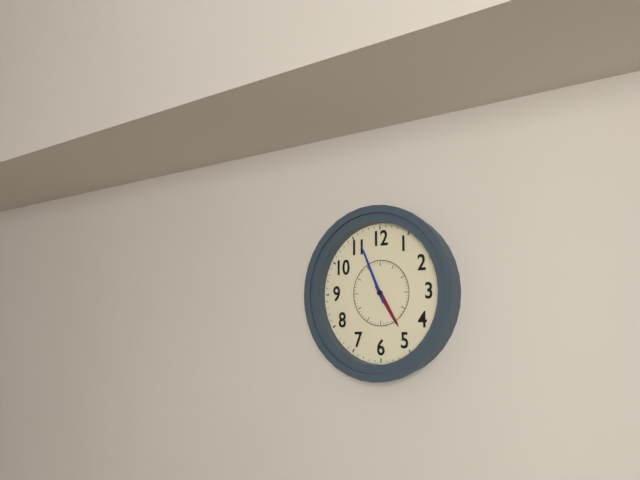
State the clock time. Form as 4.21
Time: 4.56
